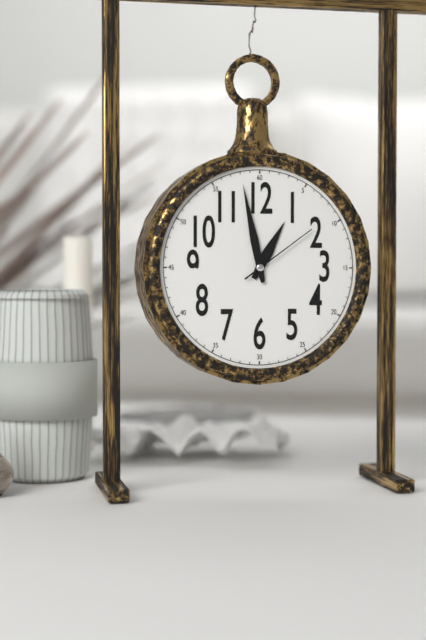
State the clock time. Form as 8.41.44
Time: 12.58.09
